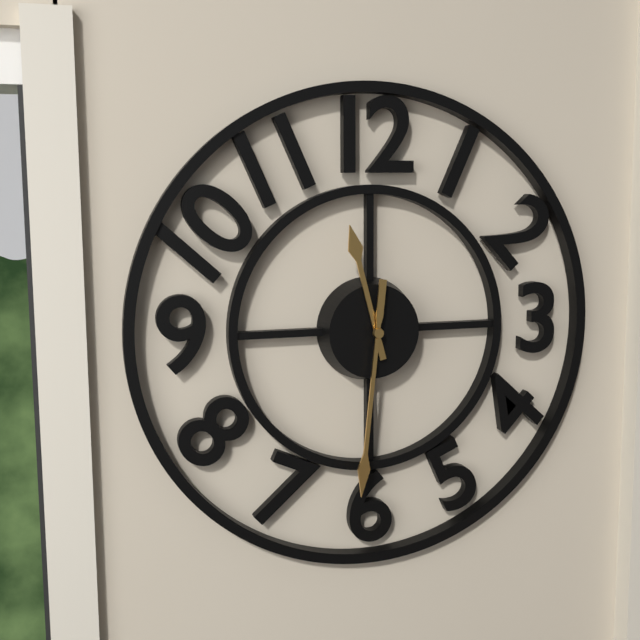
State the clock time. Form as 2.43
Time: 11.31
